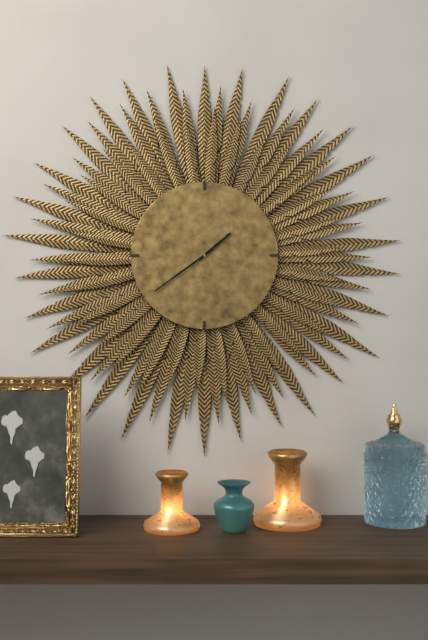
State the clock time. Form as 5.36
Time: 1.39
